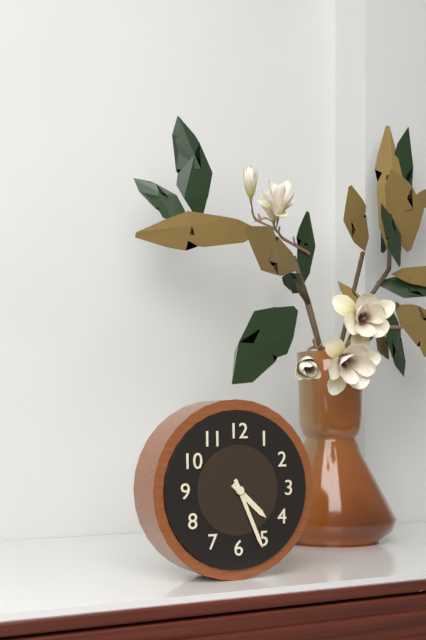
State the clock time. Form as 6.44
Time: 4.26
